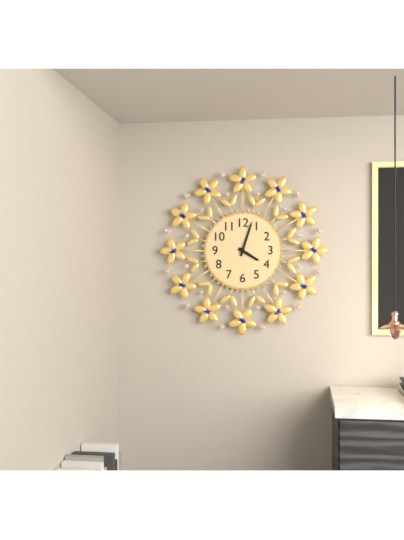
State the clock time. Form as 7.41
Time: 4.03
